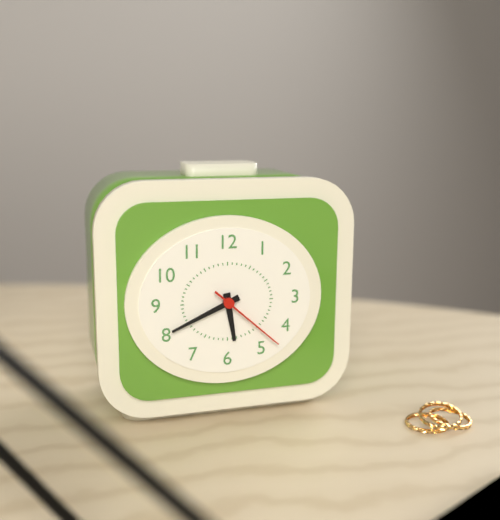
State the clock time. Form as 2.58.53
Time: 5.41.22
